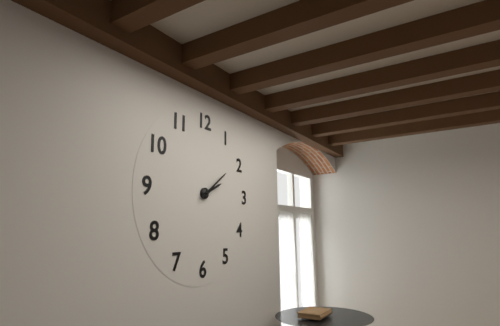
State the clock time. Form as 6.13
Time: 2.09
